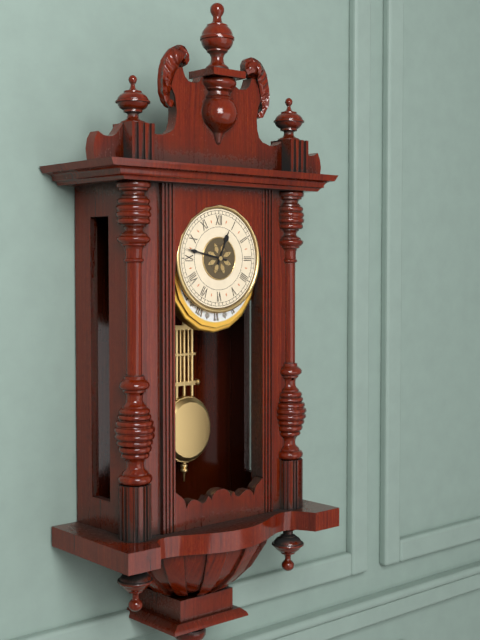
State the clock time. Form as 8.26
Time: 12.47
